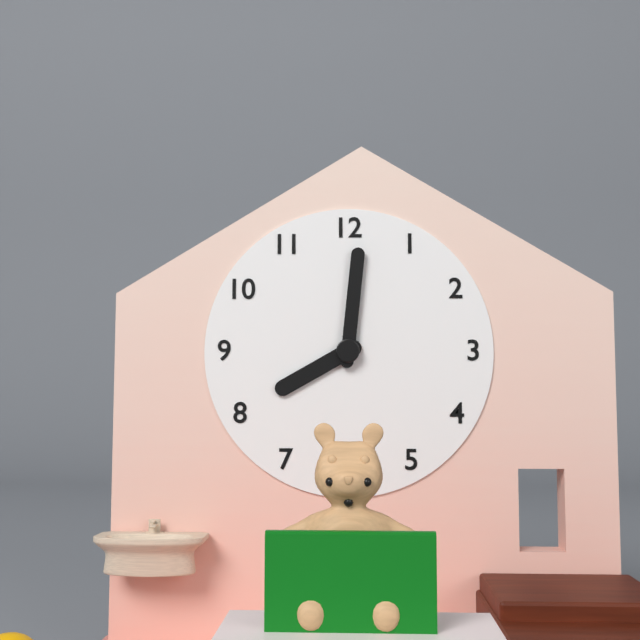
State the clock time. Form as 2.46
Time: 8.01
